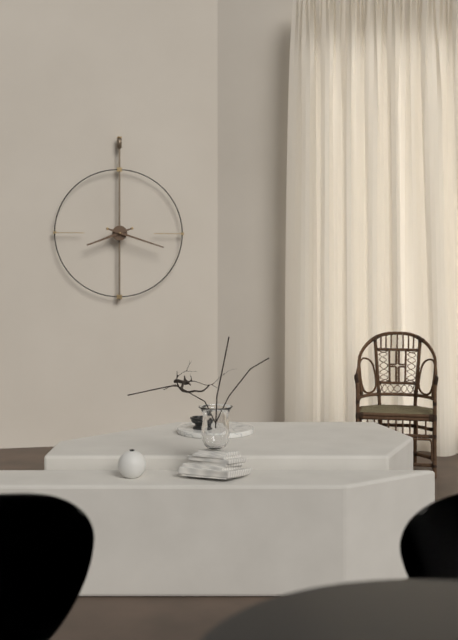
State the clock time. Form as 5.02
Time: 8.18
